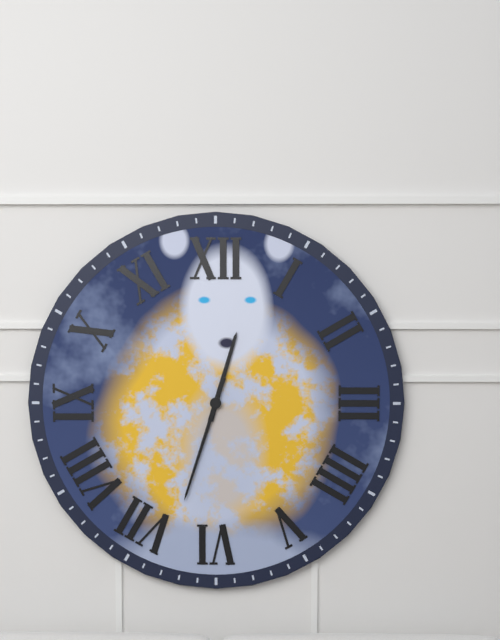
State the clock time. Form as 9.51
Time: 12.33
